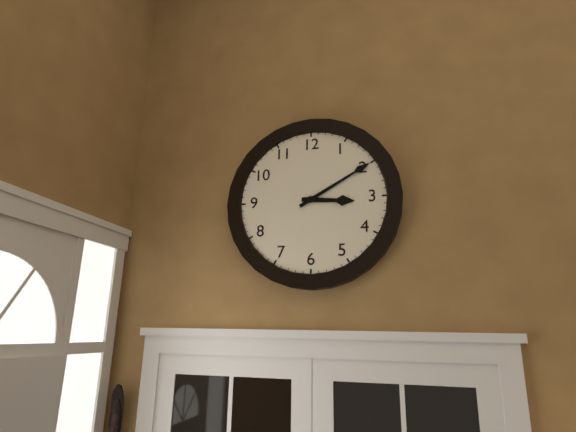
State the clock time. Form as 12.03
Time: 3.10
